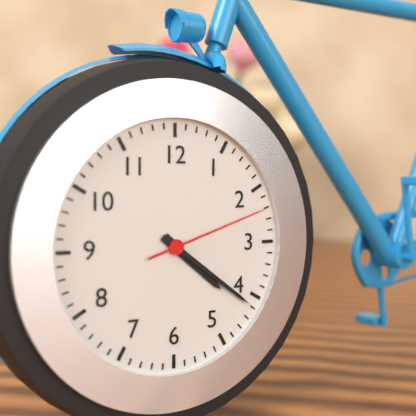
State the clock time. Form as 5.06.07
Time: 4.21.12
